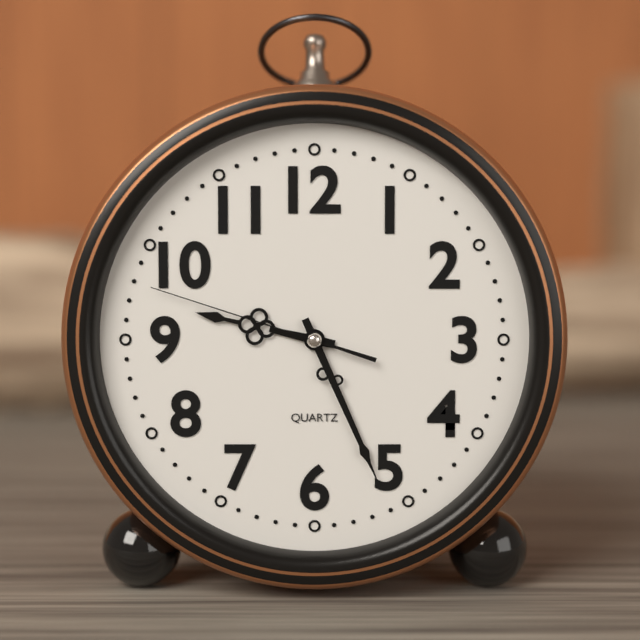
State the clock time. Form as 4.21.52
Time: 9.26.48
